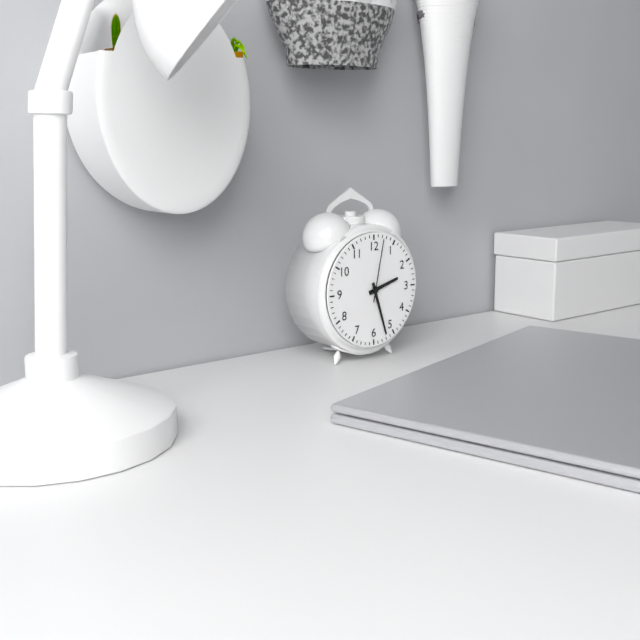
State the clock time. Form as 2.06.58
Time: 2.27.02
